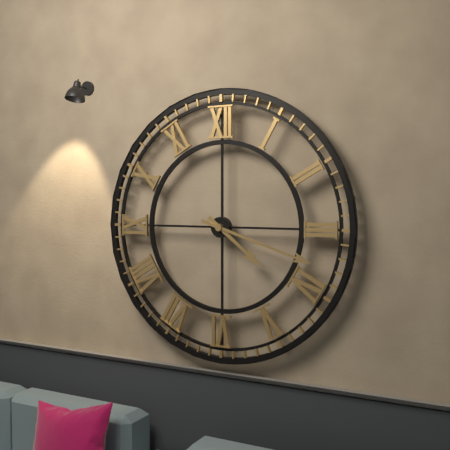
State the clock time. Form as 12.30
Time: 4.18
